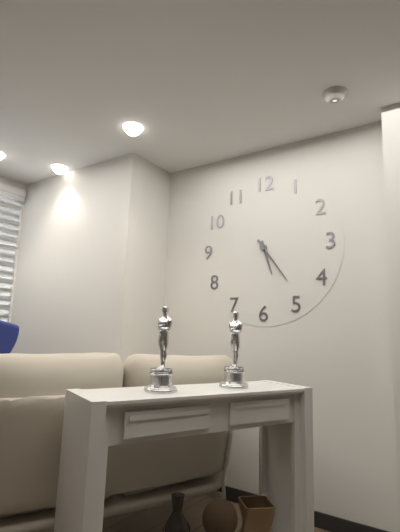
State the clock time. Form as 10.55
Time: 5.24
